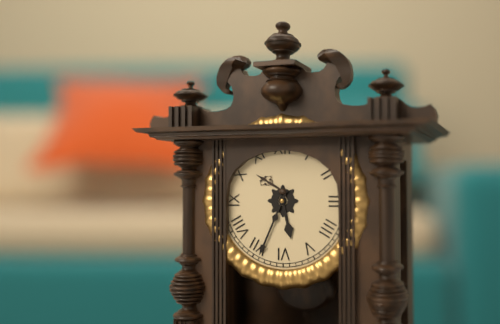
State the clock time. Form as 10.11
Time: 5.34
